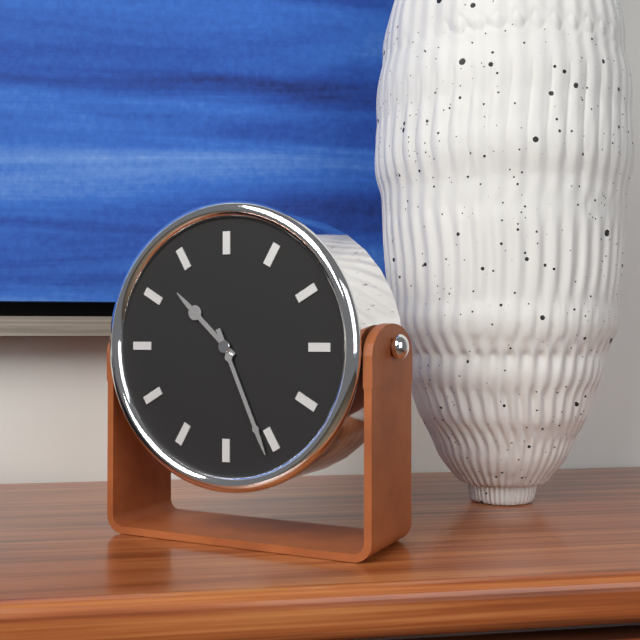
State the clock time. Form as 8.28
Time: 10.26
